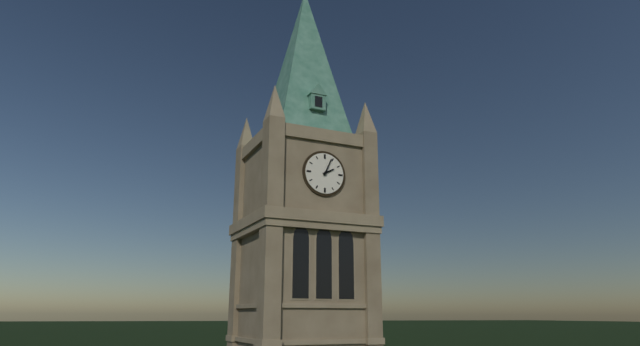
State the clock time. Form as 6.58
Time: 2.04
